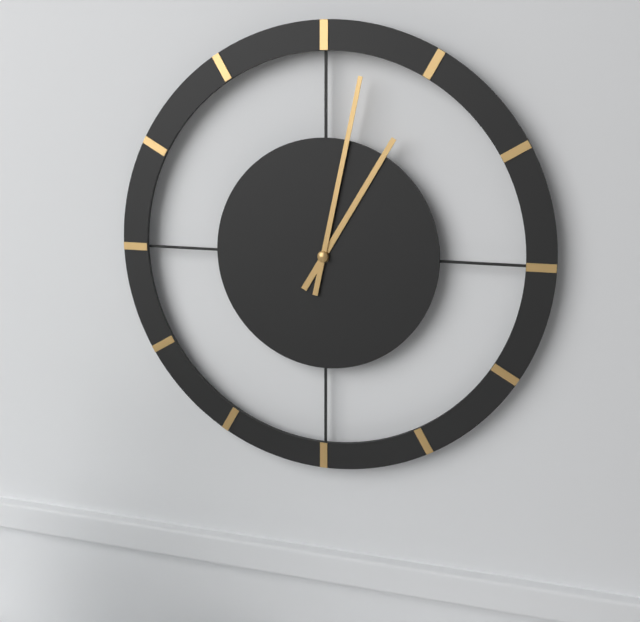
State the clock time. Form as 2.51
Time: 1.02
